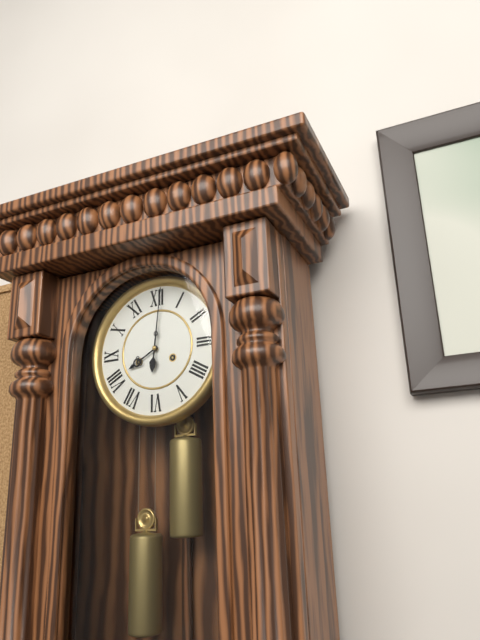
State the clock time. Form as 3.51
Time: 8.01
